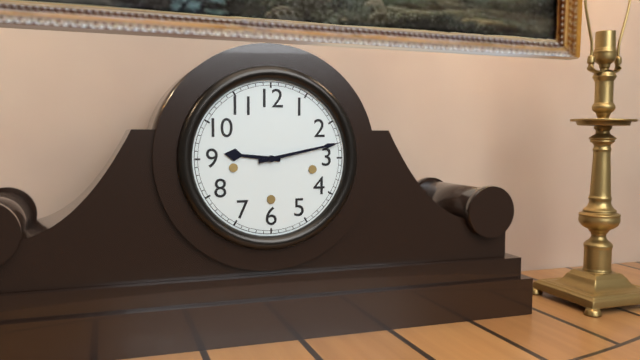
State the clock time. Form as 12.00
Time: 9.13
